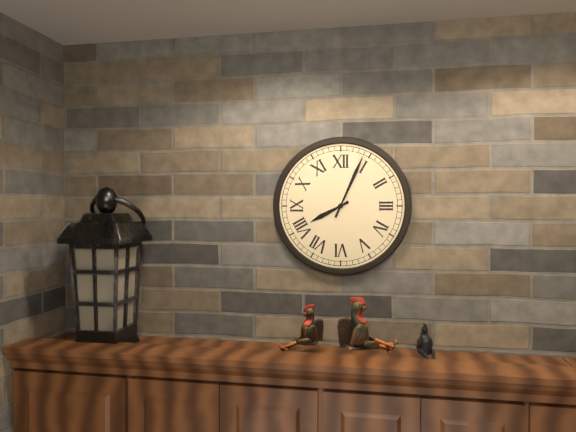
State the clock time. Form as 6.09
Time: 8.04
